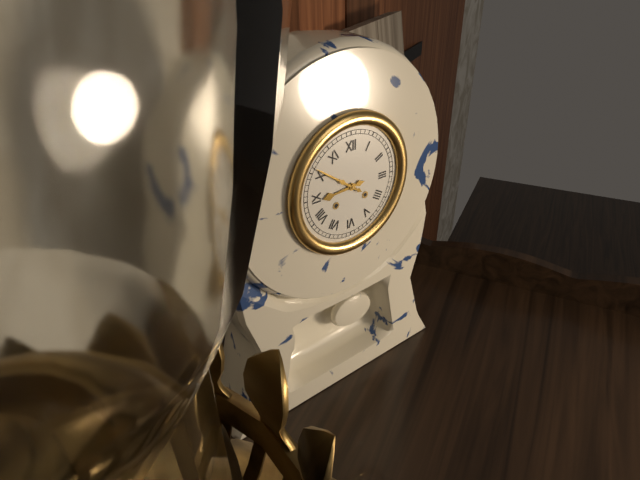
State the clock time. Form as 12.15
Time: 8.51
